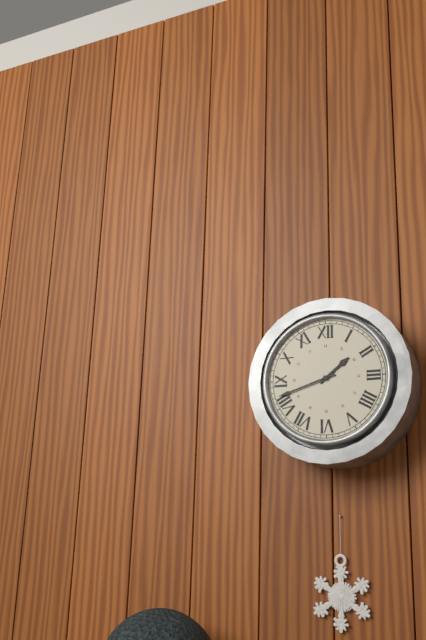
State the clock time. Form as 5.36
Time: 1.42
